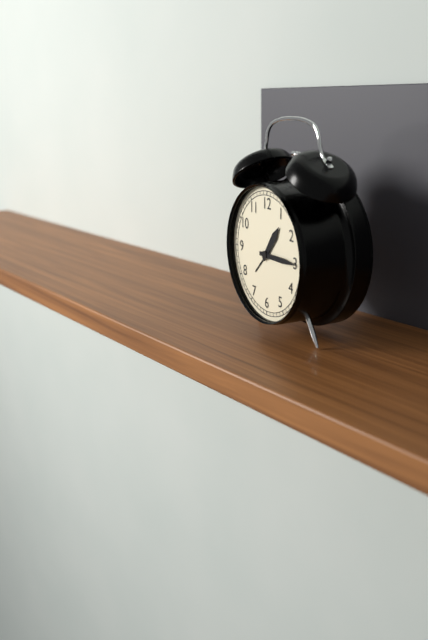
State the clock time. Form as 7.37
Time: 1.15
